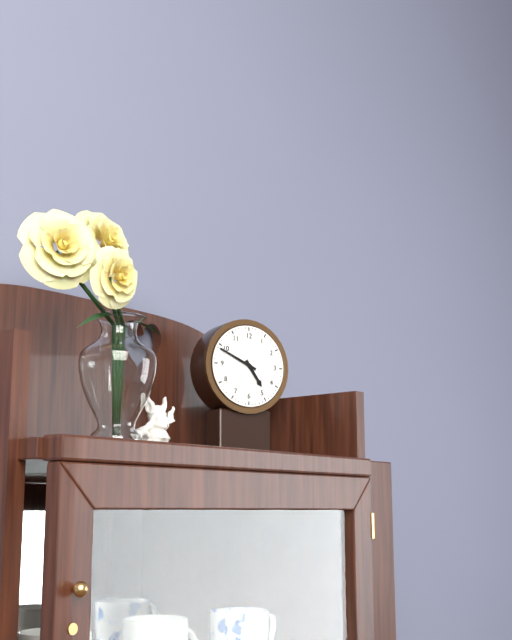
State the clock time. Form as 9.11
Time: 4.49
